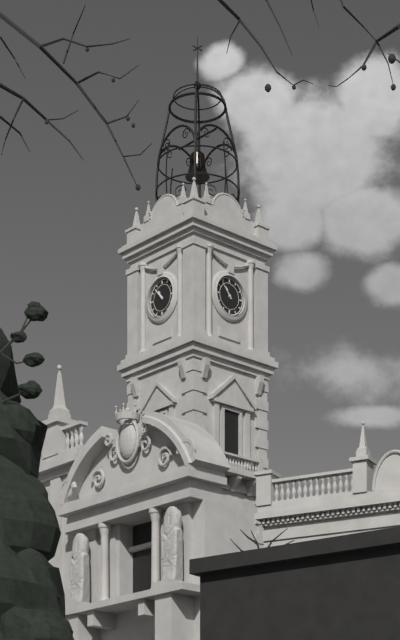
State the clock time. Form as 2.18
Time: 10.53
